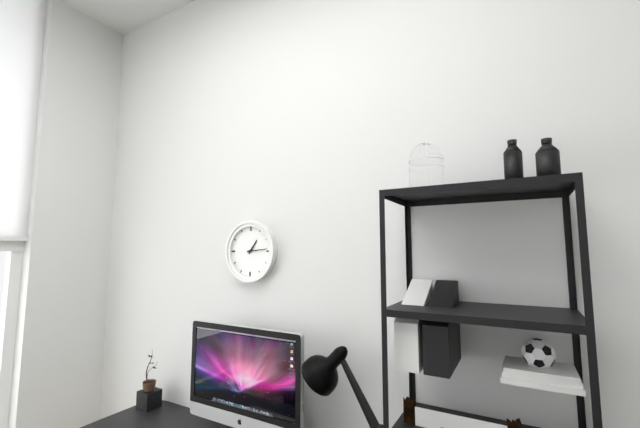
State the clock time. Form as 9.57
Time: 1.14
